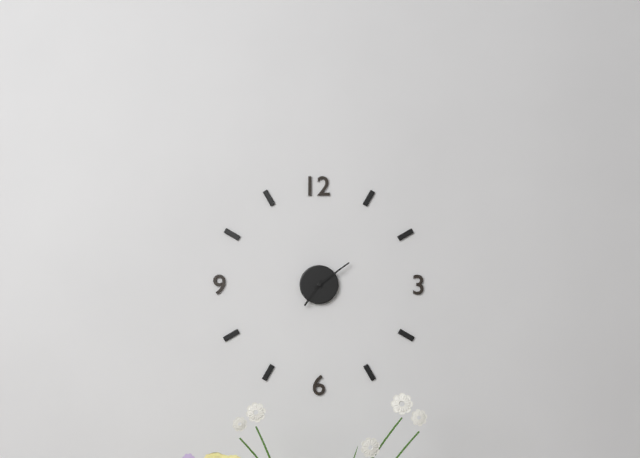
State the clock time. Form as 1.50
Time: 7.09
